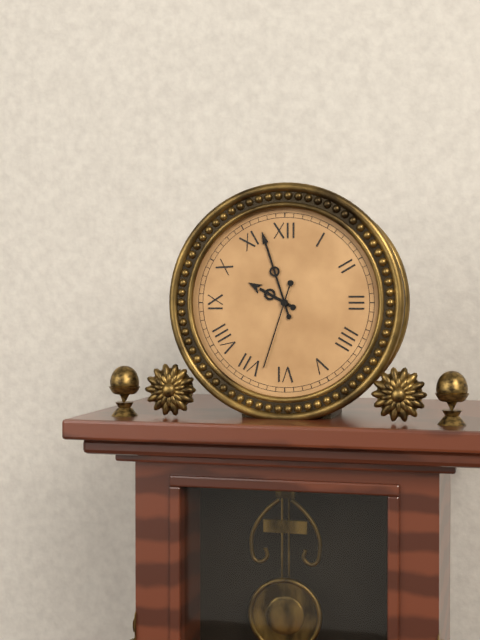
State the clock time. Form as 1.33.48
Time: 9.57.33
